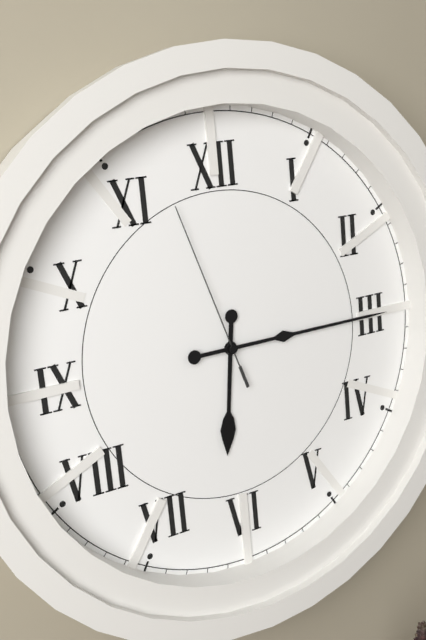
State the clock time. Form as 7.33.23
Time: 6.15.57
